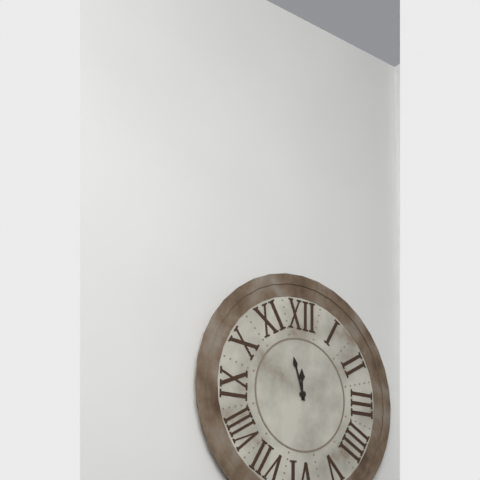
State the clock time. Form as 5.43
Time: 11.57
